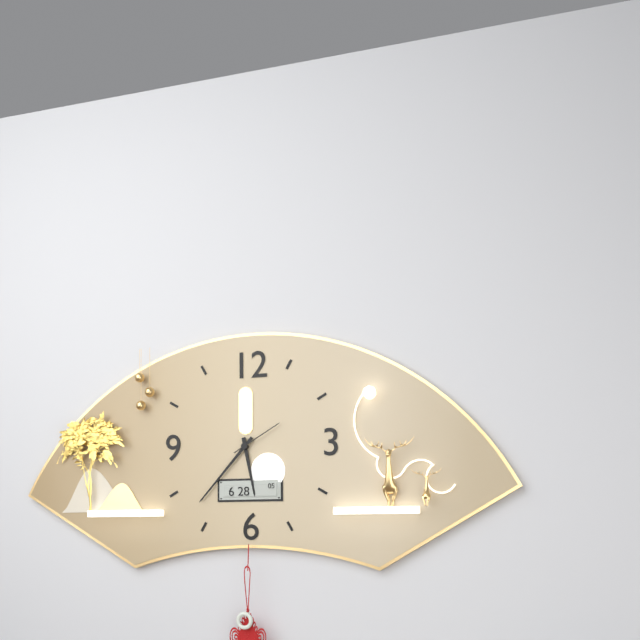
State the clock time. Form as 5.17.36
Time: 5.37.10
